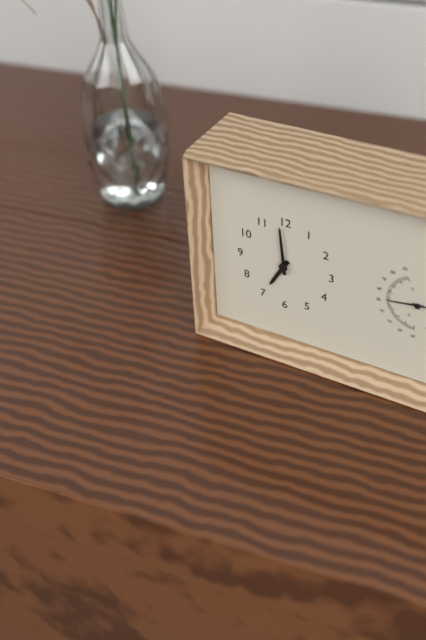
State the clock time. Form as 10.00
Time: 6.59
